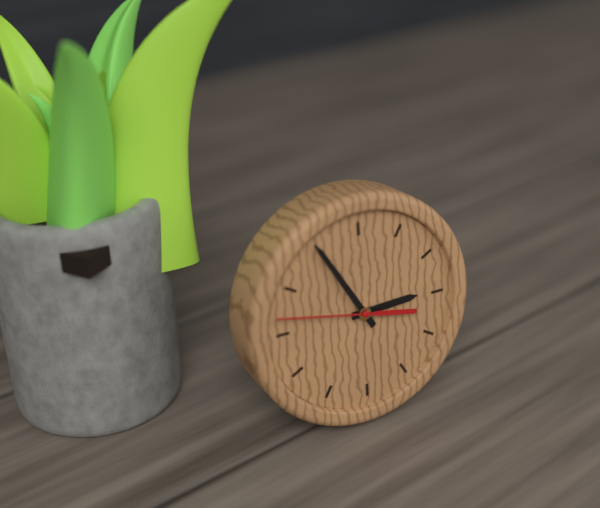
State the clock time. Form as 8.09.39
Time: 2.55.47
